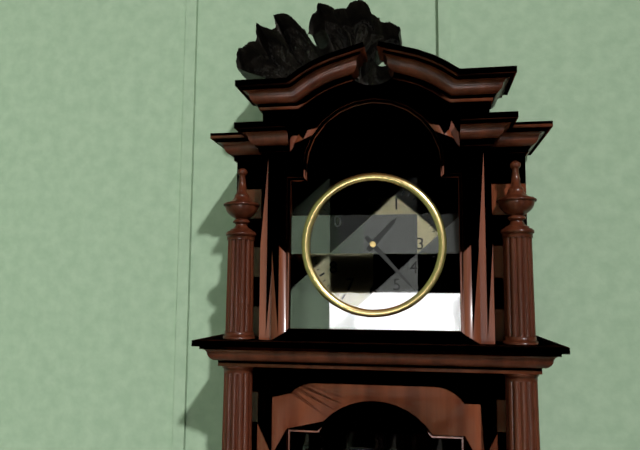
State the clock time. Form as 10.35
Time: 1.23
